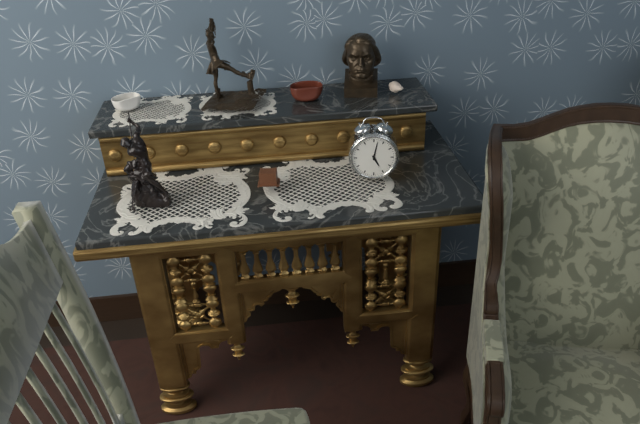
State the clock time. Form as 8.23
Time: 5.02
